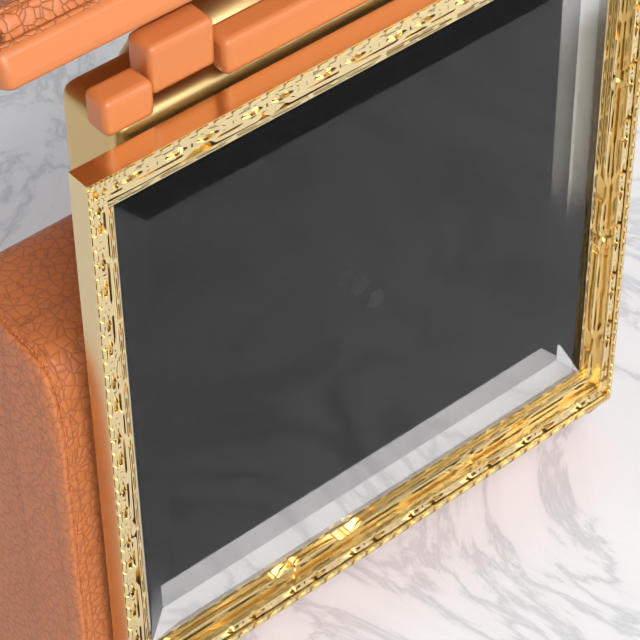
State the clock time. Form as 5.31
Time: 6.12
